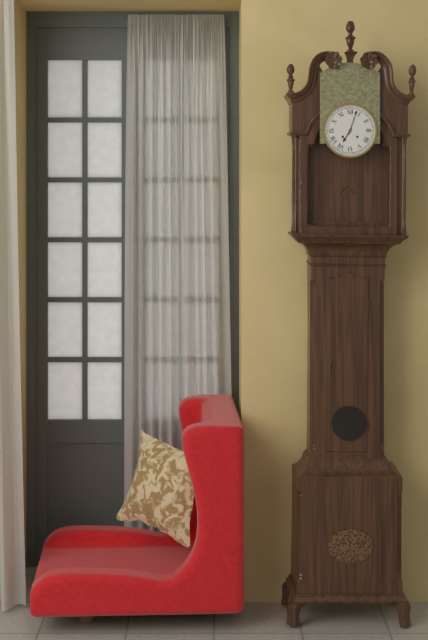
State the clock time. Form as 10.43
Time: 7.03
